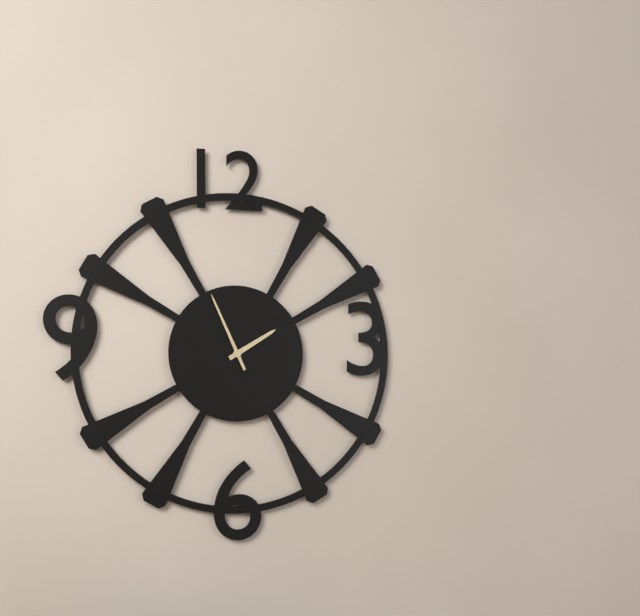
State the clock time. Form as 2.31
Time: 1.56
